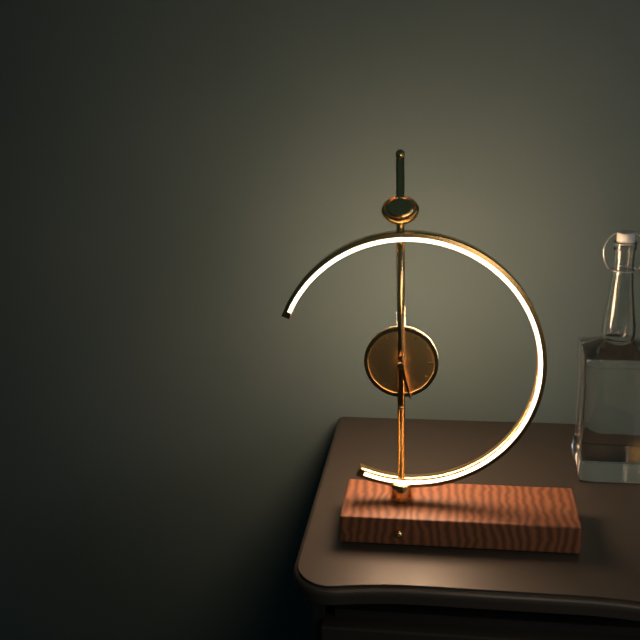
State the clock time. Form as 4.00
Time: 5.30
